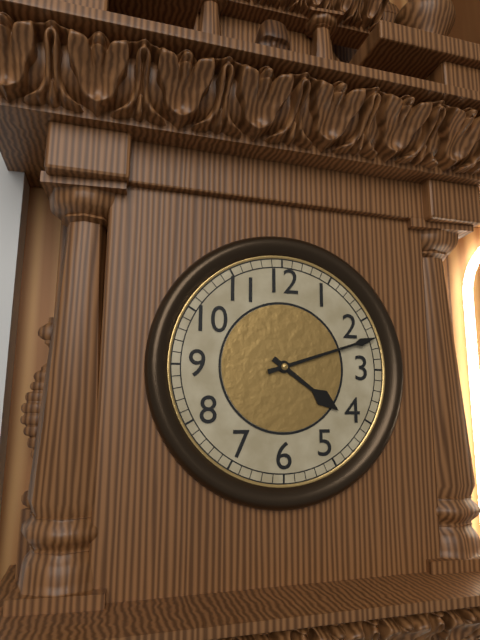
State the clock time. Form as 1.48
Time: 4.12
